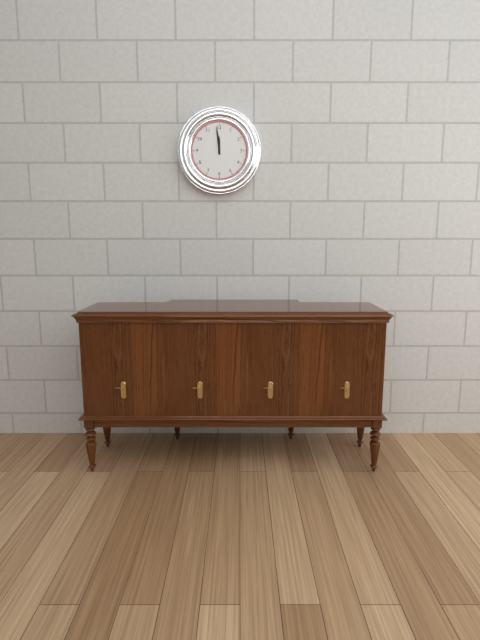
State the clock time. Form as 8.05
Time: 11.59
